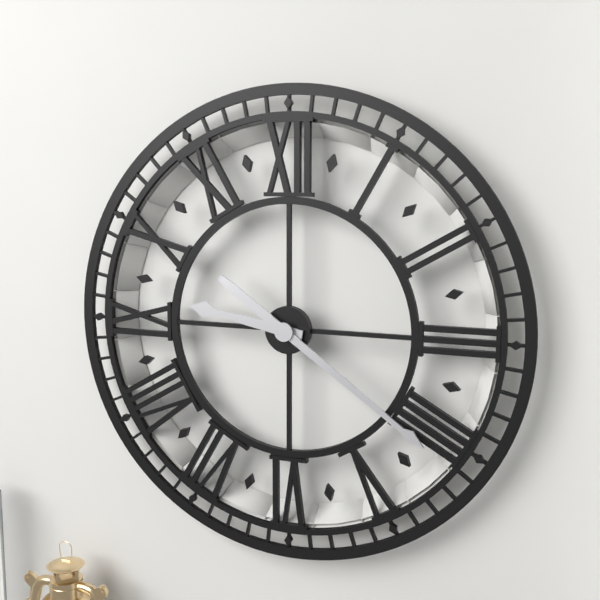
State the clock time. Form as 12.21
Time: 9.21
